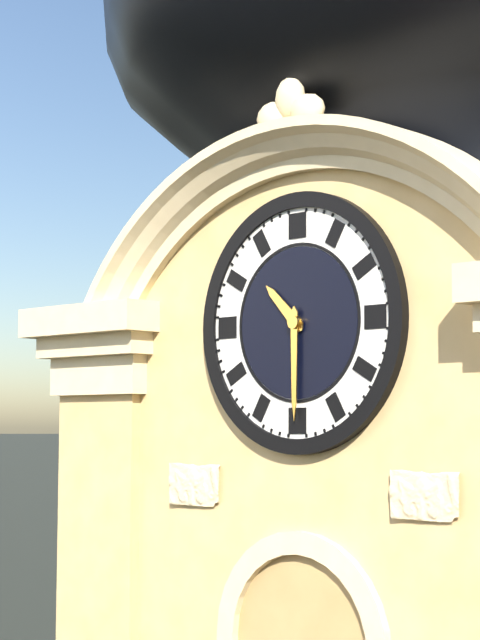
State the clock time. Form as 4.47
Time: 10.30
